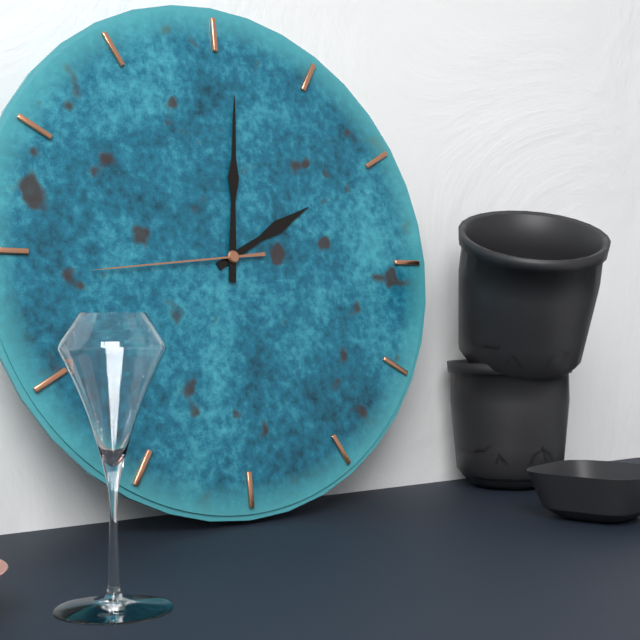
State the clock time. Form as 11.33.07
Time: 2.01.44
